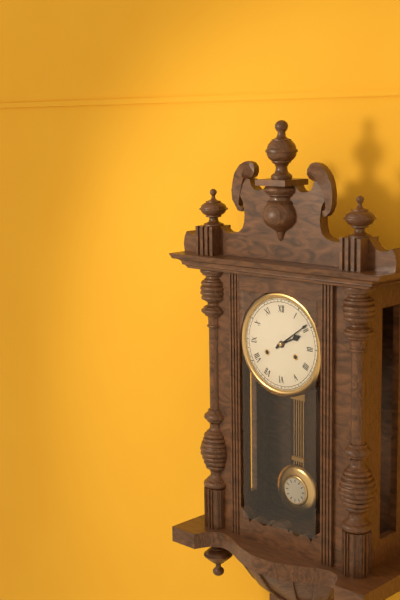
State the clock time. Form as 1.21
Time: 2.09
